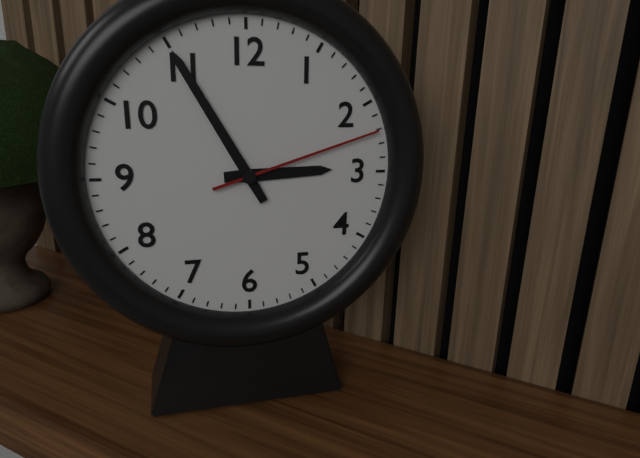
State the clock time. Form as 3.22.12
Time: 2.55.12
